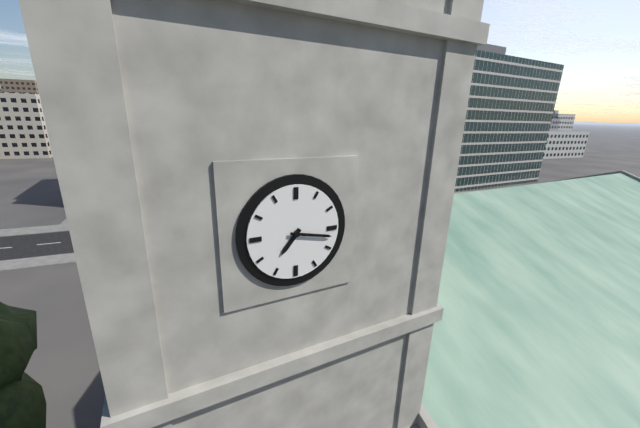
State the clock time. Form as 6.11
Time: 7.17
